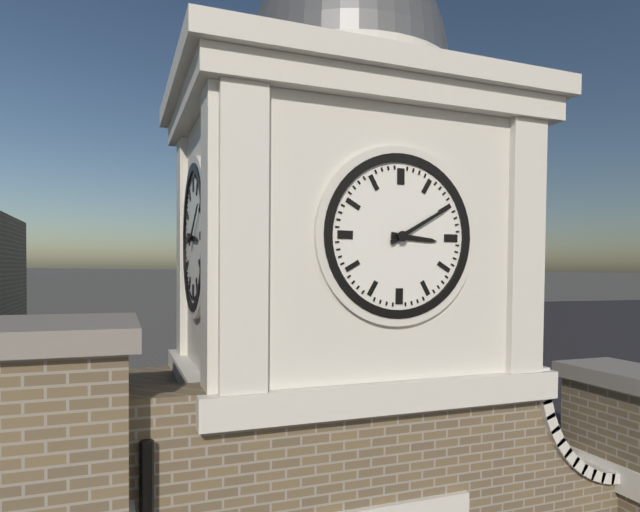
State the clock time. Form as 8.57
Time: 3.10
